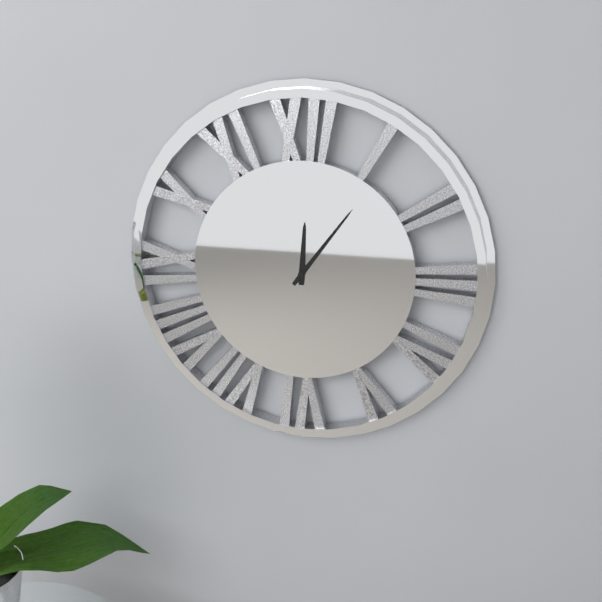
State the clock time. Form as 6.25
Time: 12.06
